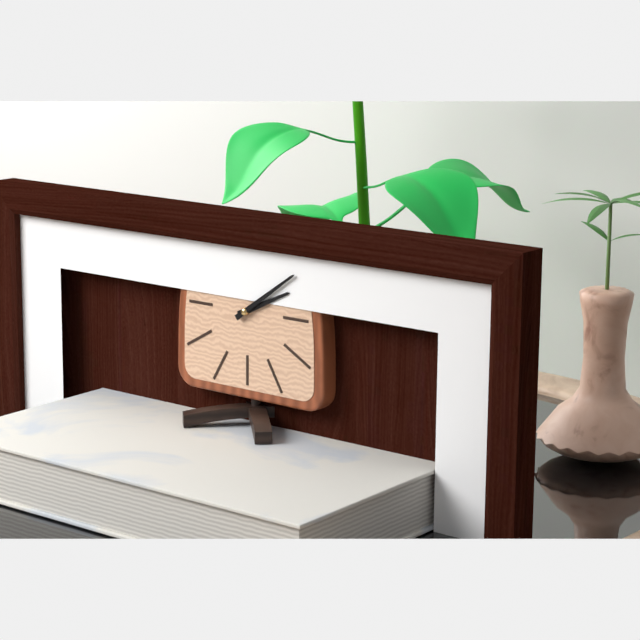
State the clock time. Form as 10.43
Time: 2.09
